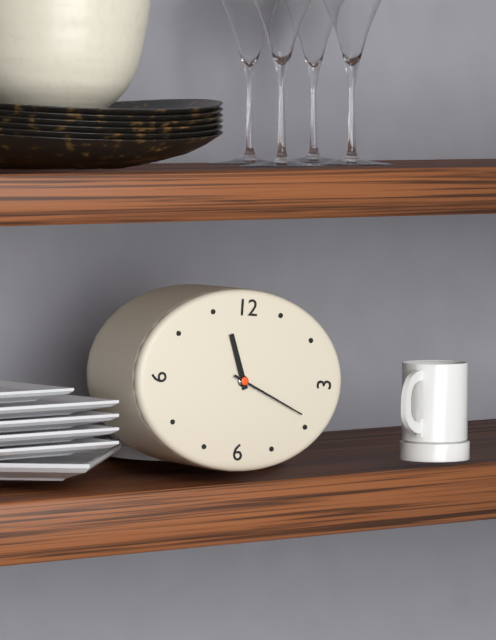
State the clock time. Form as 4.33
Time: 11.19
